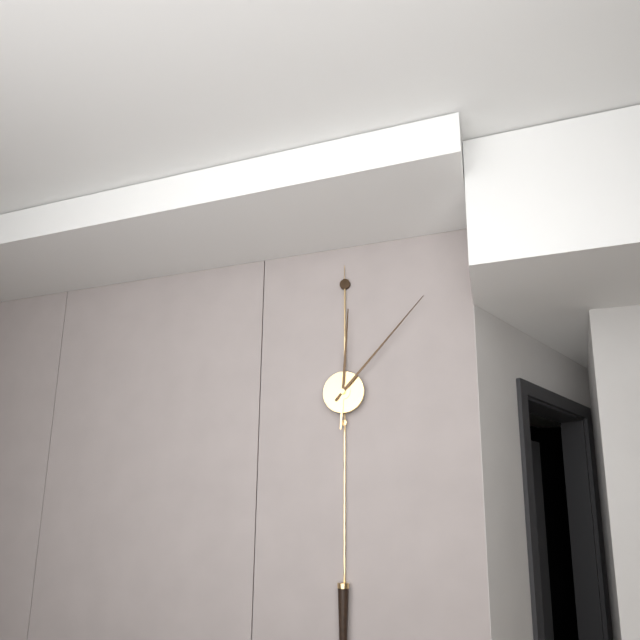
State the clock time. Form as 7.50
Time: 12.07
